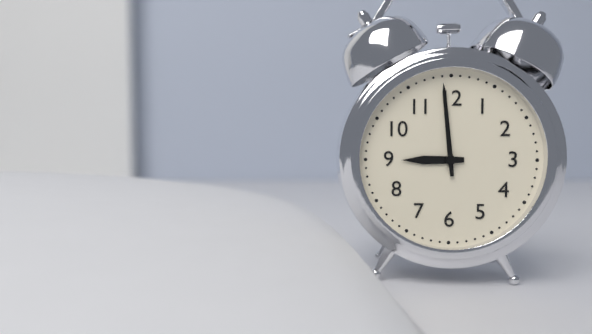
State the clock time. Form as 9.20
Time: 8.59
